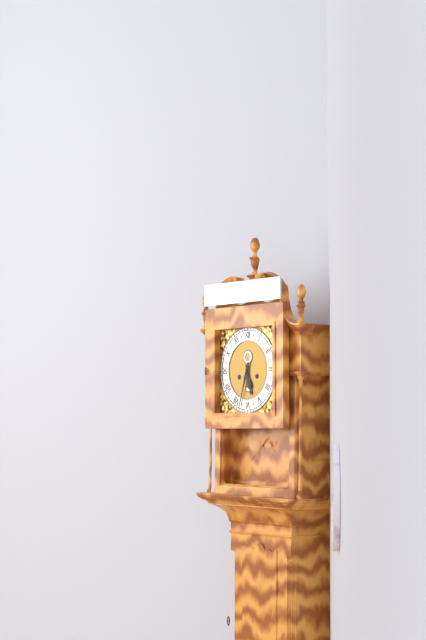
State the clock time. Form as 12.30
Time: 5.33
